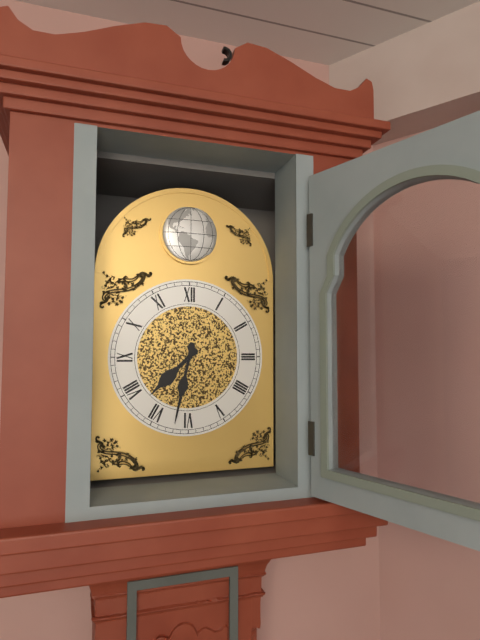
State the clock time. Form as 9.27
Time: 7.32
